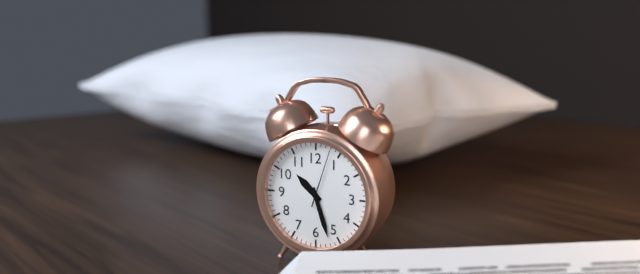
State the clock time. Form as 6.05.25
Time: 10.27.03
